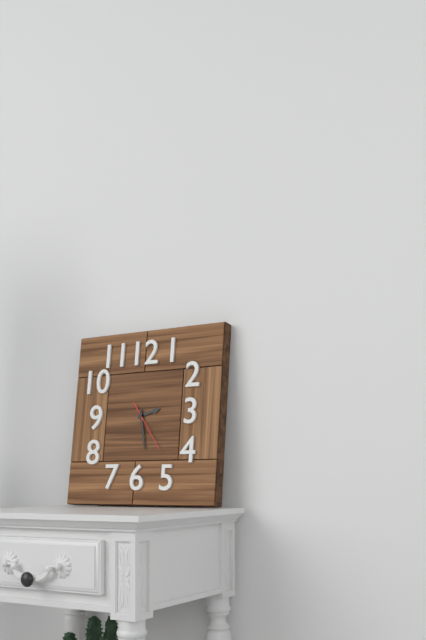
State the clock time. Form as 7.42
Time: 2.28
